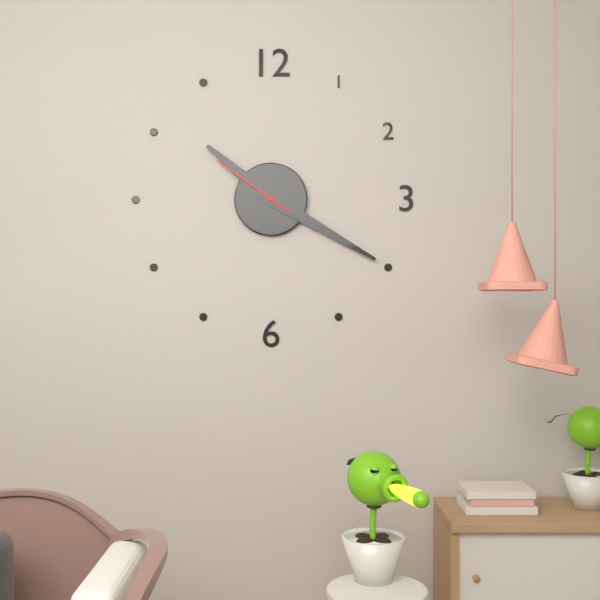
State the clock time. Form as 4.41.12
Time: 10.20.51
